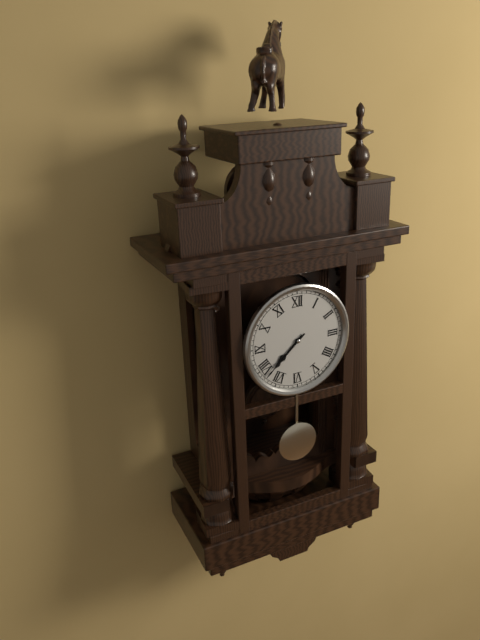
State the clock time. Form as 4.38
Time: 7.38
